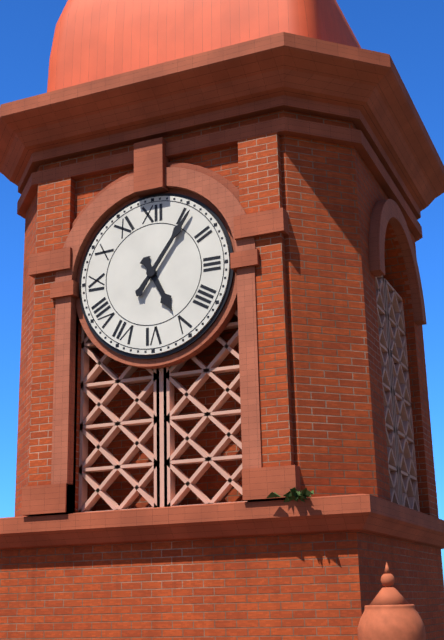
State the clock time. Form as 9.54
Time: 5.06
